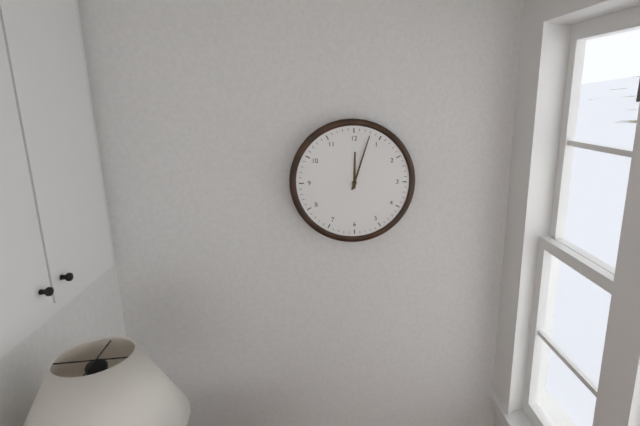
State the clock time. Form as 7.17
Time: 12.03
